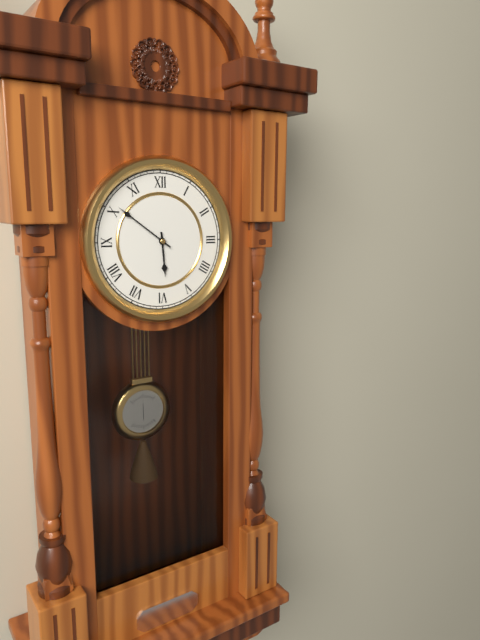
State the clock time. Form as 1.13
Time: 5.51
